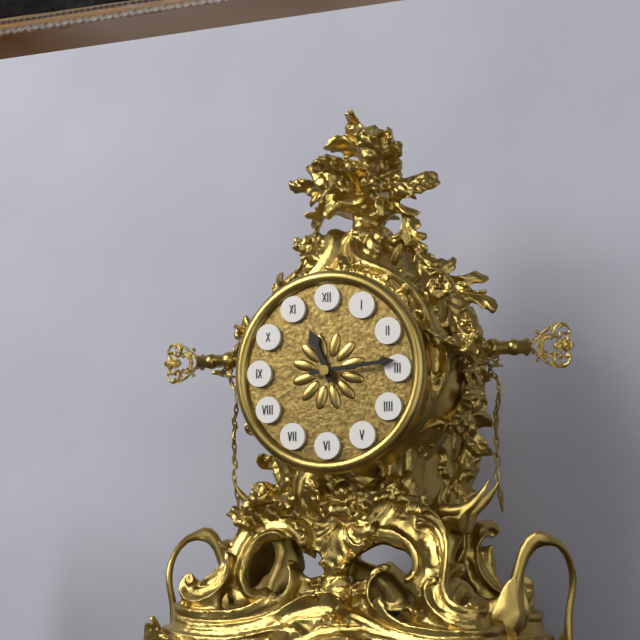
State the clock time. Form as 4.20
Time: 11.14
